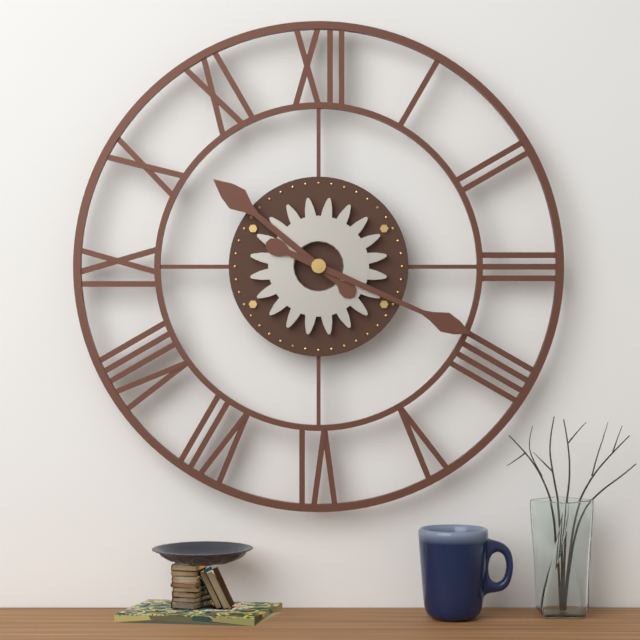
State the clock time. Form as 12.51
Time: 10.19
